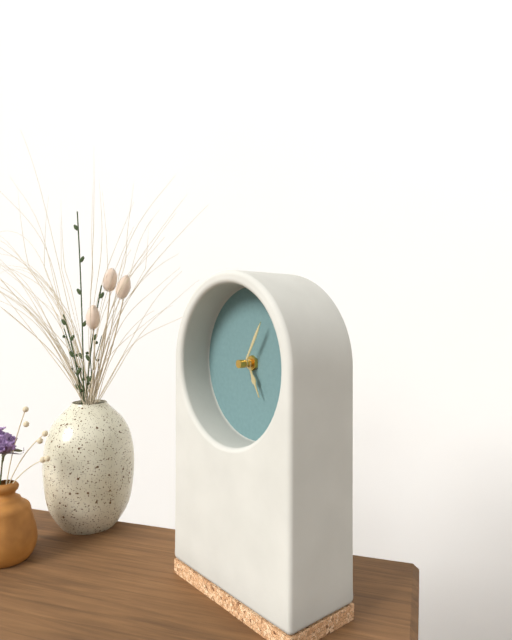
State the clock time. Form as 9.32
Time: 5.05
